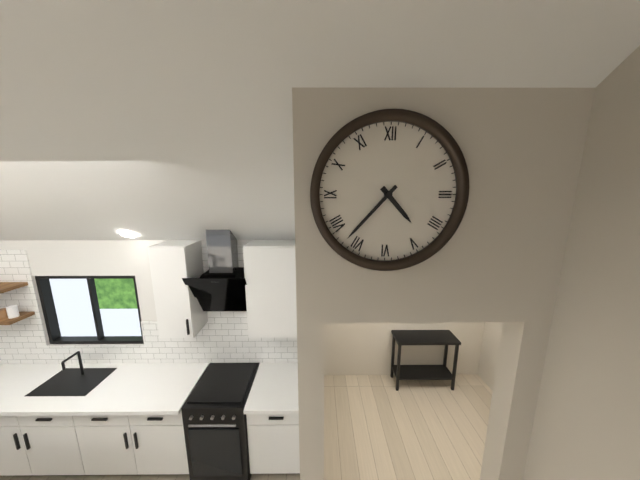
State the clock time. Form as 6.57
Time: 4.37
